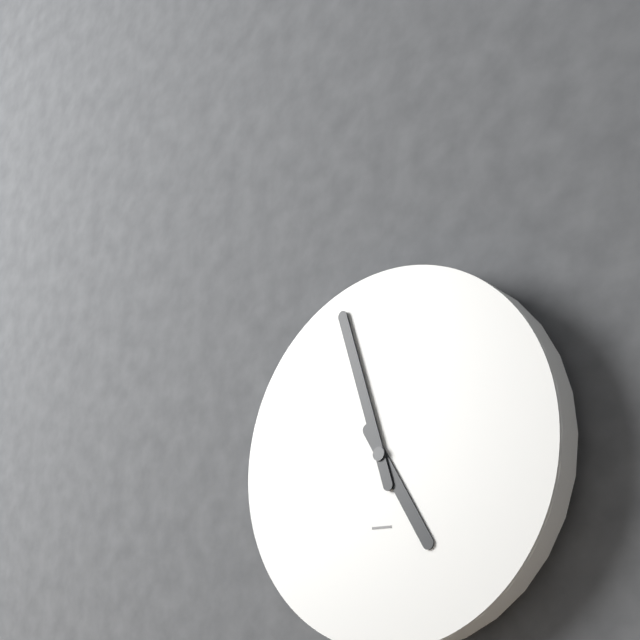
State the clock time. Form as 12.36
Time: 4.57
